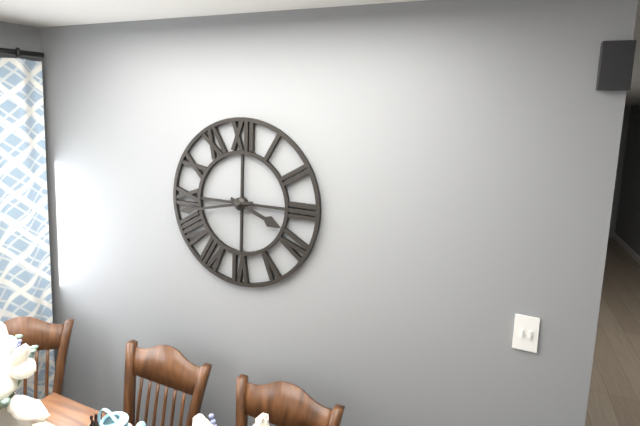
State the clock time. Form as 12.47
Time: 3.43
